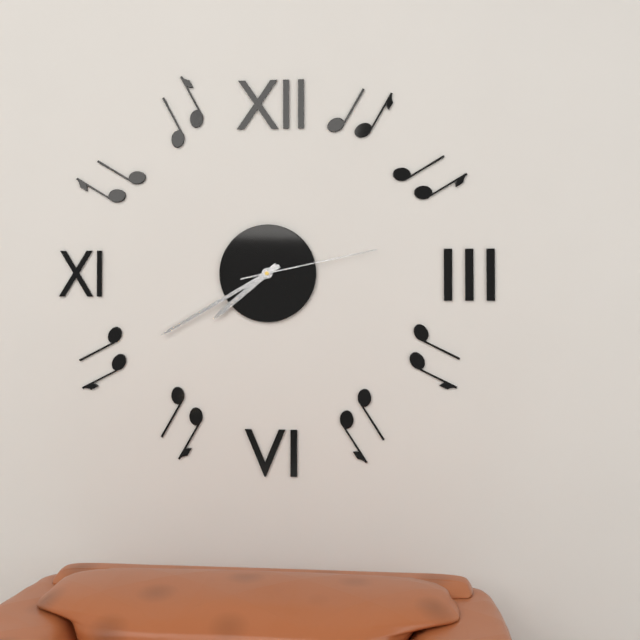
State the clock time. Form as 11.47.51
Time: 7.40.13
